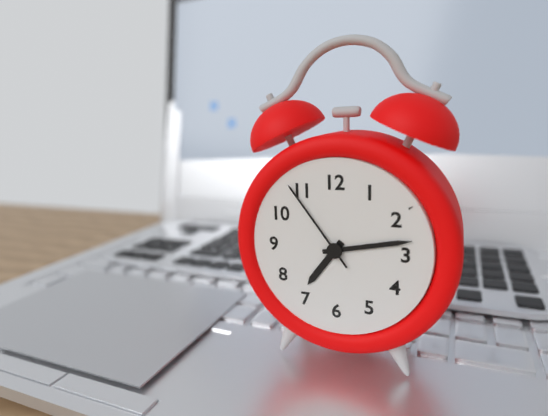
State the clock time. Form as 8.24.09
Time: 7.13.54
